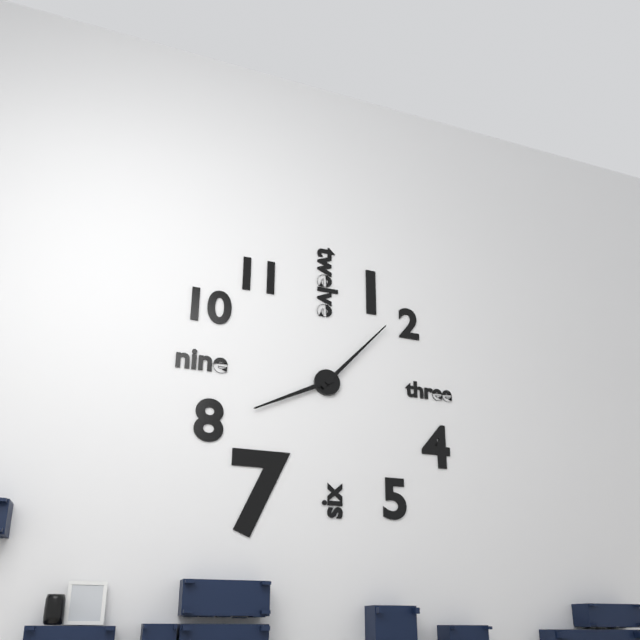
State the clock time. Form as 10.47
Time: 8.07
